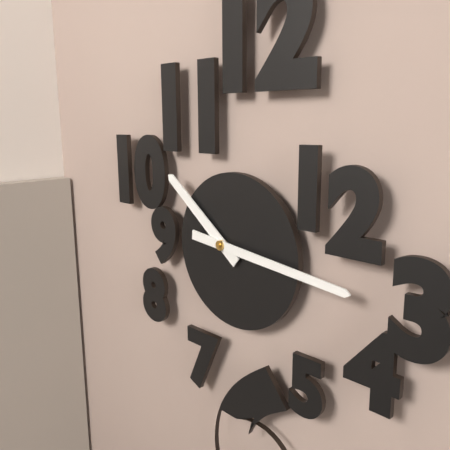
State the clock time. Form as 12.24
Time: 10.16
